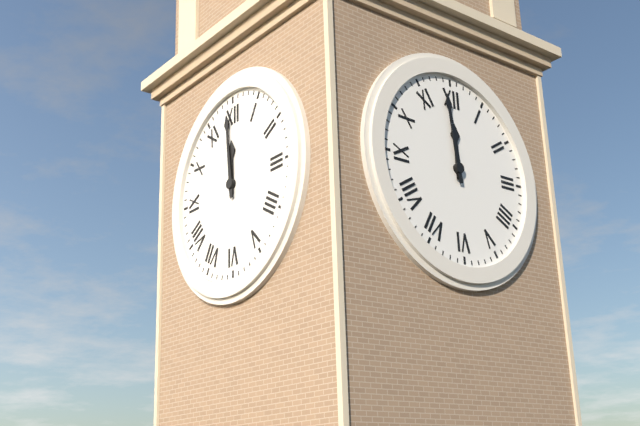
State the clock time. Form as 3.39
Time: 11.59
